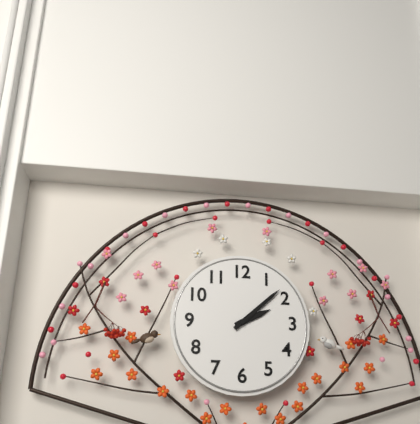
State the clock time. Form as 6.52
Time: 2.08
